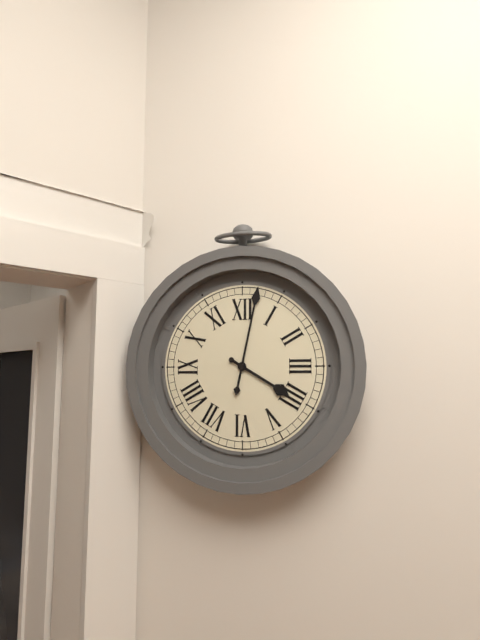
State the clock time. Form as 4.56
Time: 4.02
